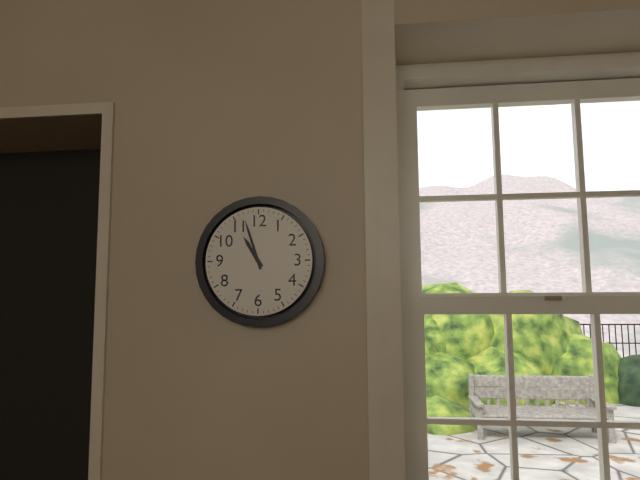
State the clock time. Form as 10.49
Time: 10.57
